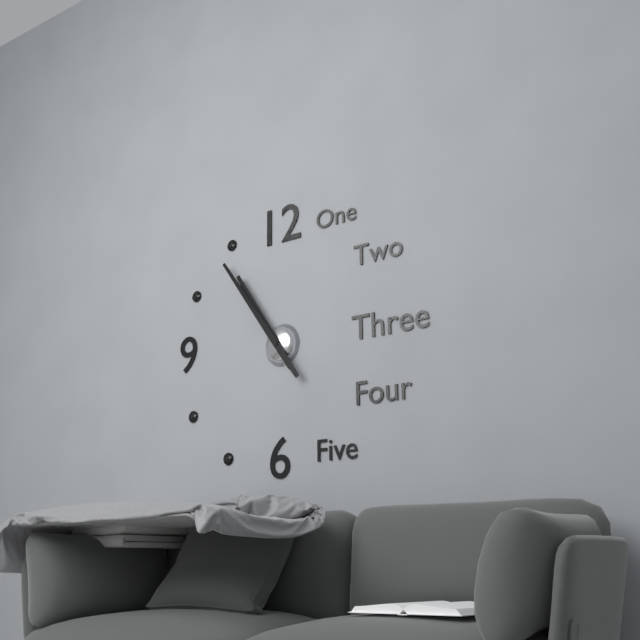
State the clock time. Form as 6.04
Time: 10.54
